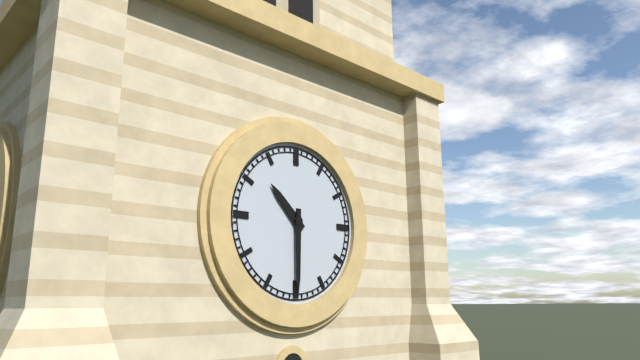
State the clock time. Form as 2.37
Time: 10.30
